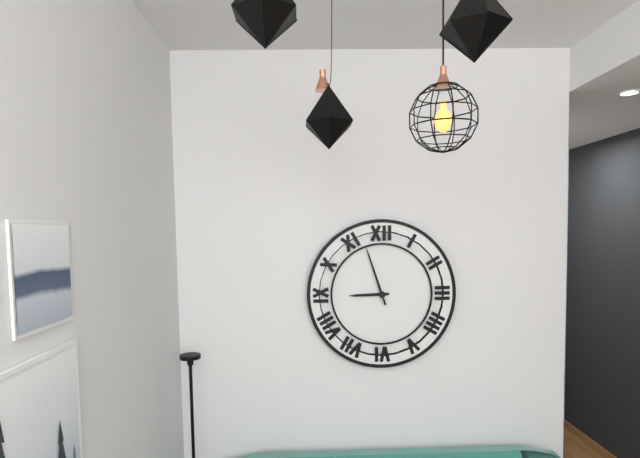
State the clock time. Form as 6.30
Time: 8.57
